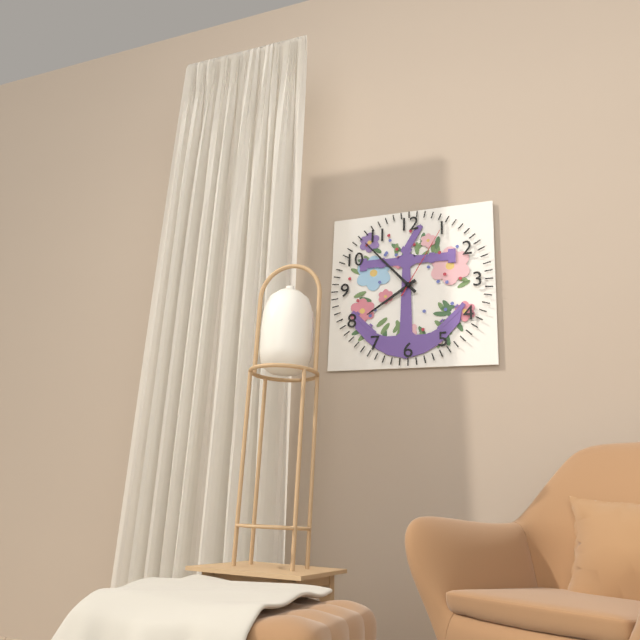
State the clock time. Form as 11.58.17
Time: 7.53.05
